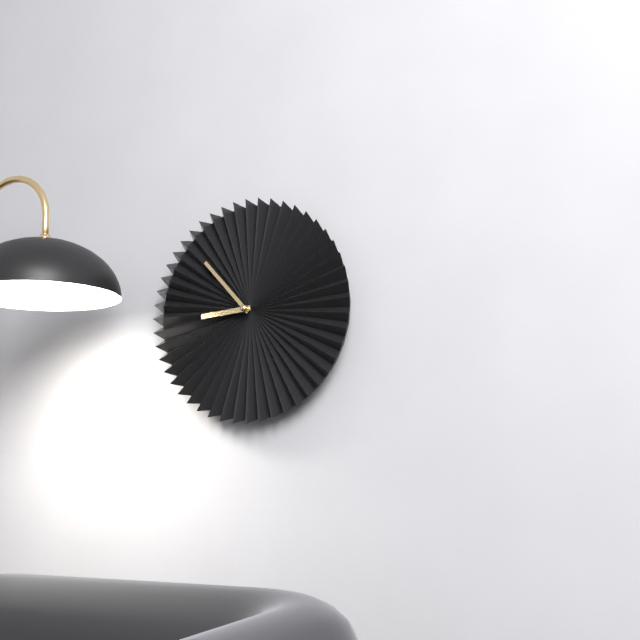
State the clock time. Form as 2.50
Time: 8.53
